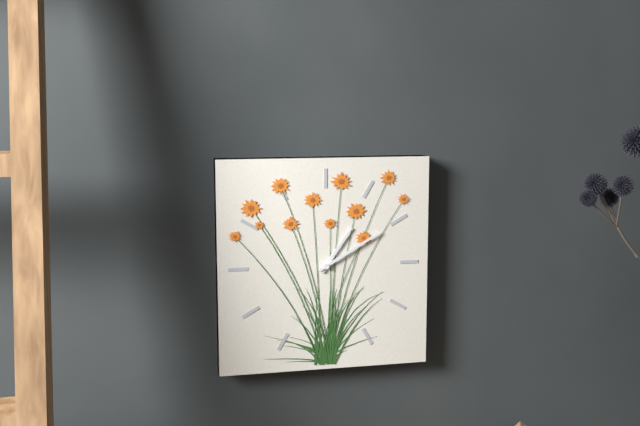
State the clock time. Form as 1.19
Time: 1.10
